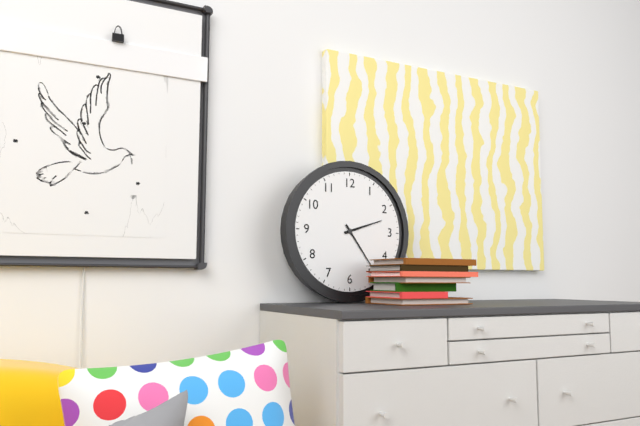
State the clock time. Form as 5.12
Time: 2.24
